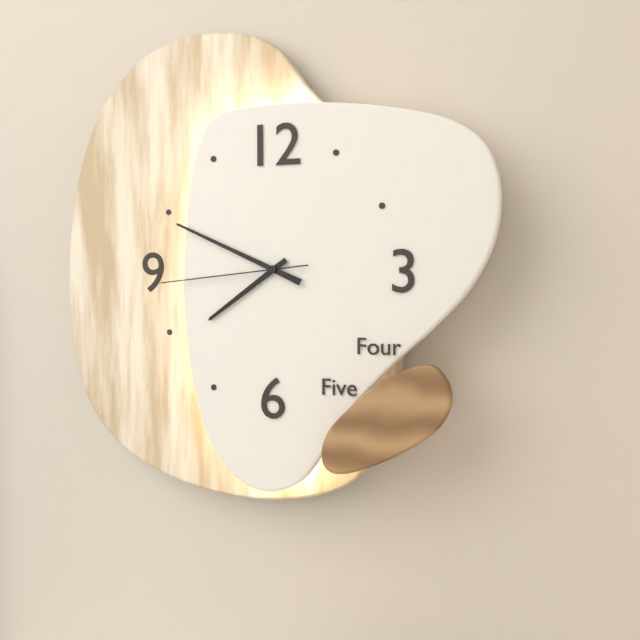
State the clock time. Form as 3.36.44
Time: 7.49.44
